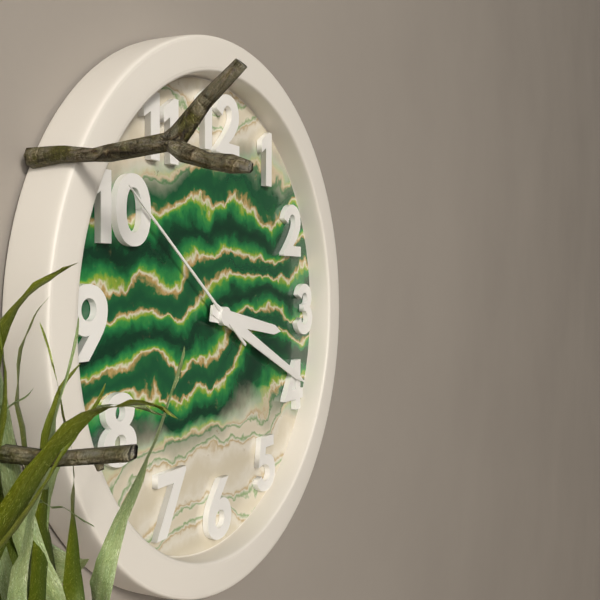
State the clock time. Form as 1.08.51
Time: 3.19.51
